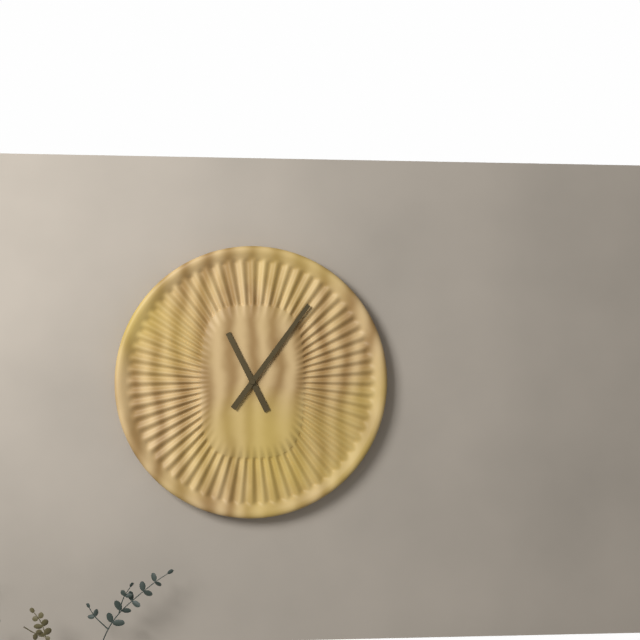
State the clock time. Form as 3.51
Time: 11.06
